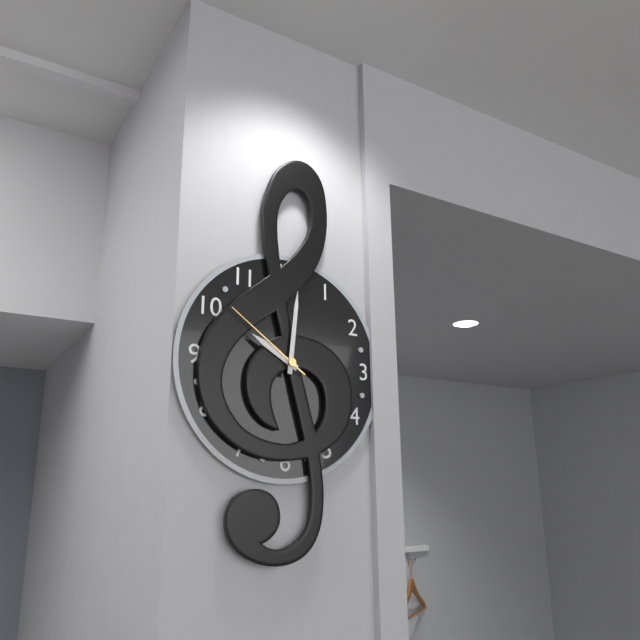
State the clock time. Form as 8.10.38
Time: 10.01.51
